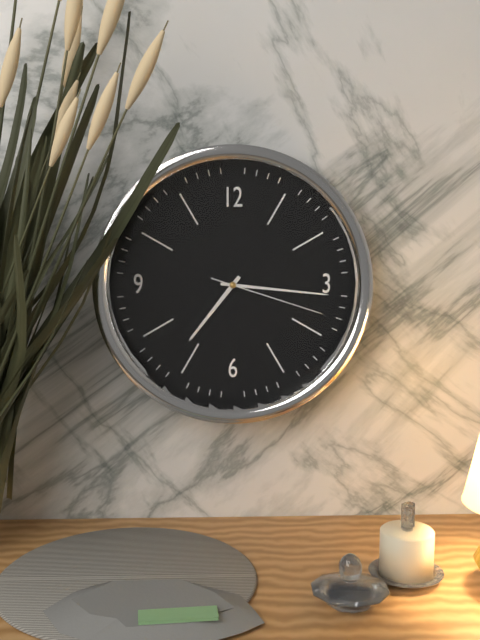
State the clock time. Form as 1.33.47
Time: 7.16.18
